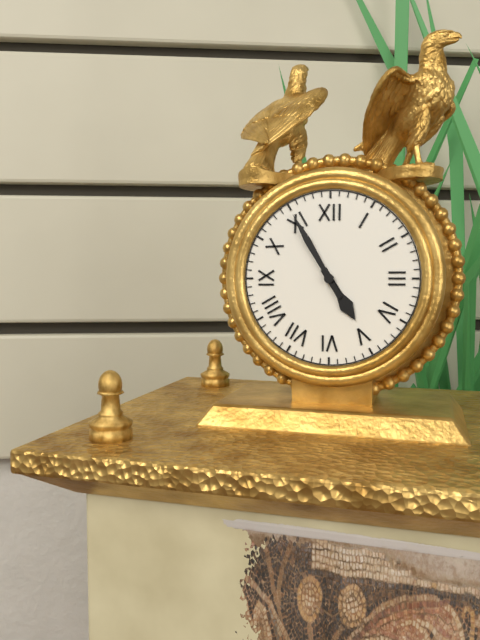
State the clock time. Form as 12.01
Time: 4.55
